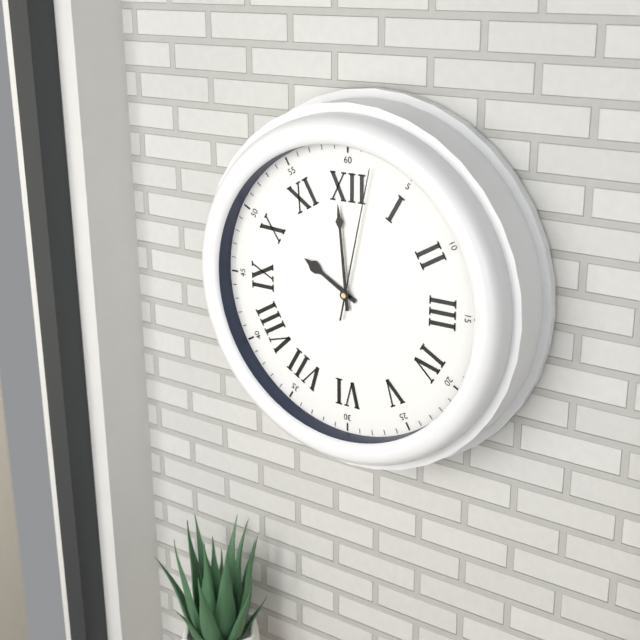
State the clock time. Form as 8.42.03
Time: 9.59.02
